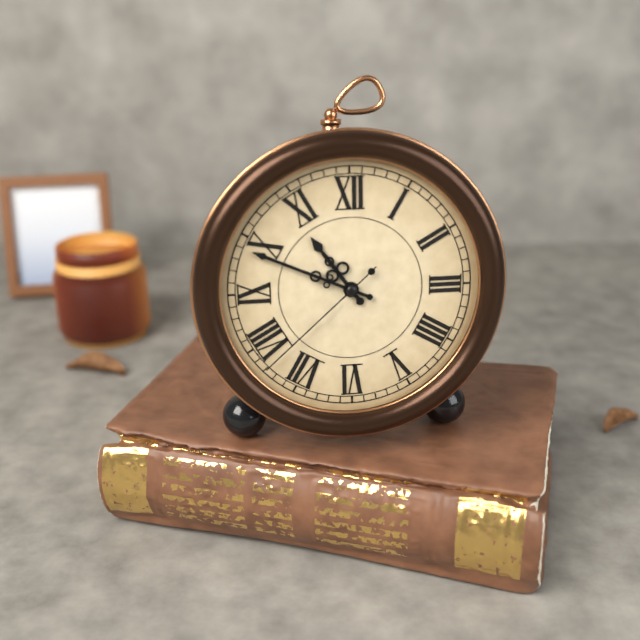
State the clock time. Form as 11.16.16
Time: 10.49.38
